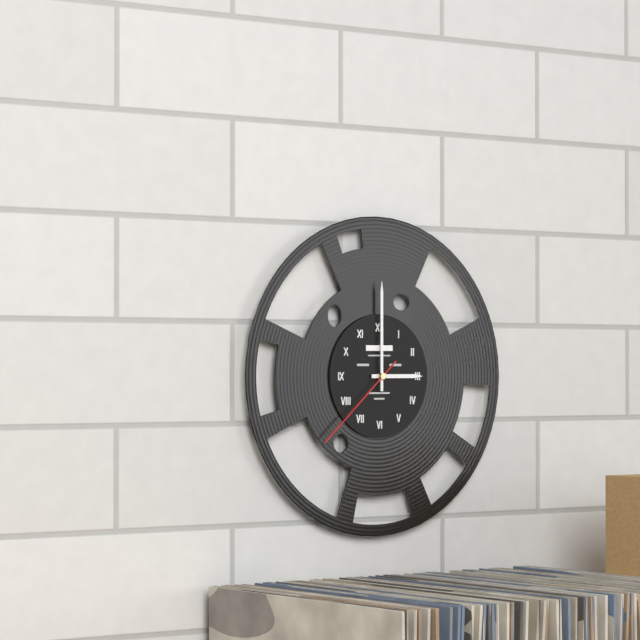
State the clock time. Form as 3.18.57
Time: 3.00.38
